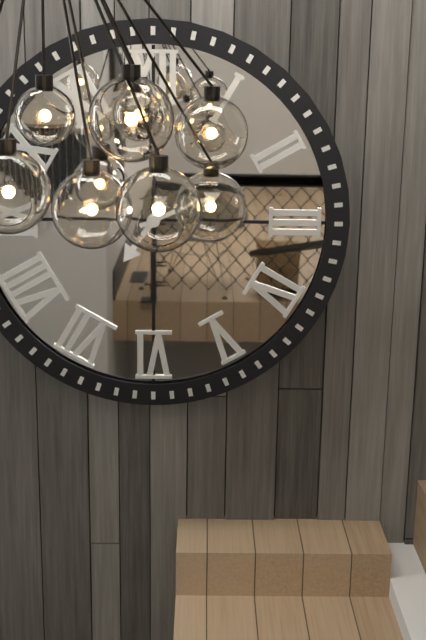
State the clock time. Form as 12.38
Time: 7.11
